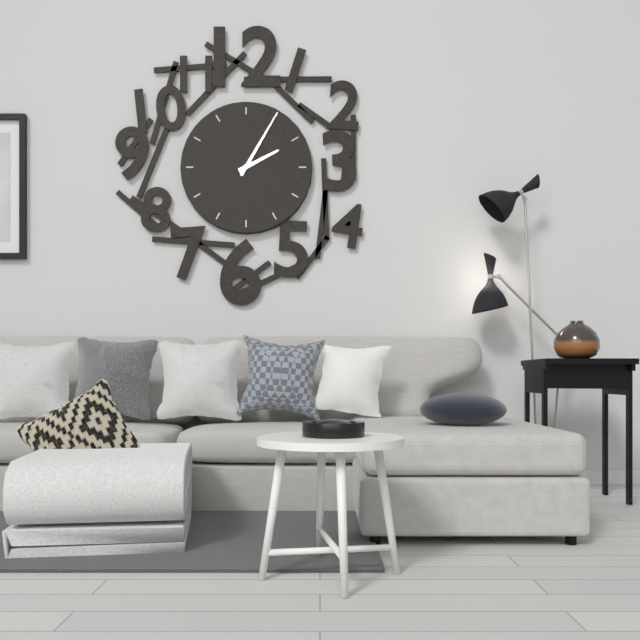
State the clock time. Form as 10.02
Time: 2.05
